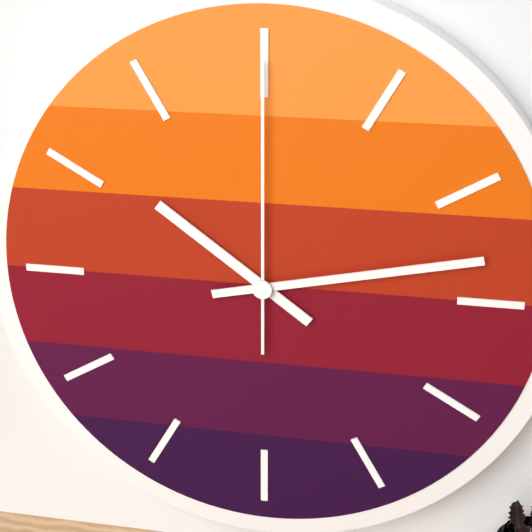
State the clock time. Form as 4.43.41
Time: 10.13.00
